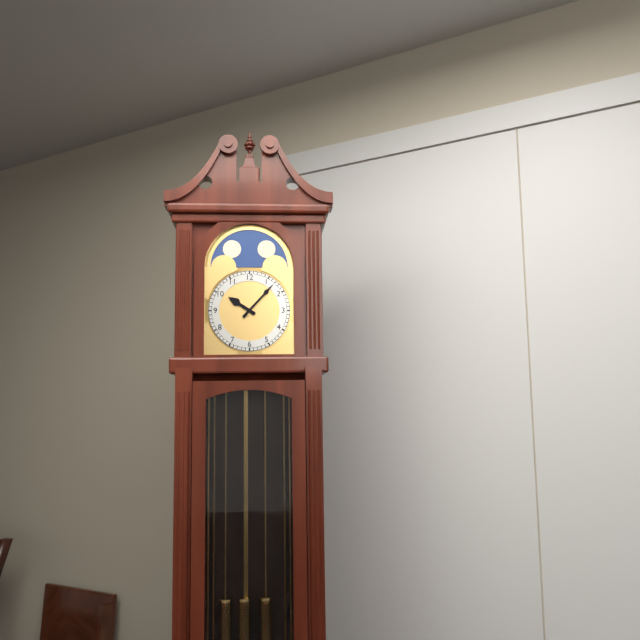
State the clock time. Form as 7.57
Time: 10.07
